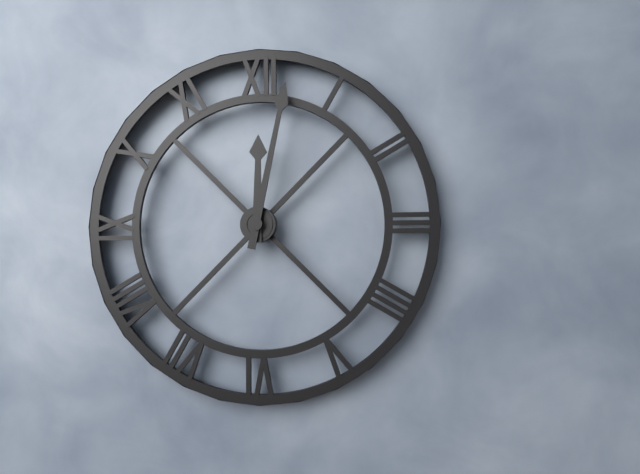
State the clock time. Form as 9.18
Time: 12.02
